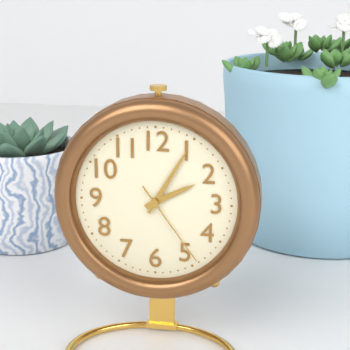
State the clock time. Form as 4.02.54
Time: 2.05.24
